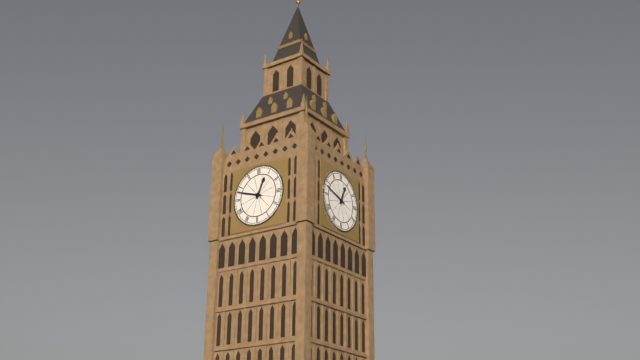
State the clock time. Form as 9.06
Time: 12.48
